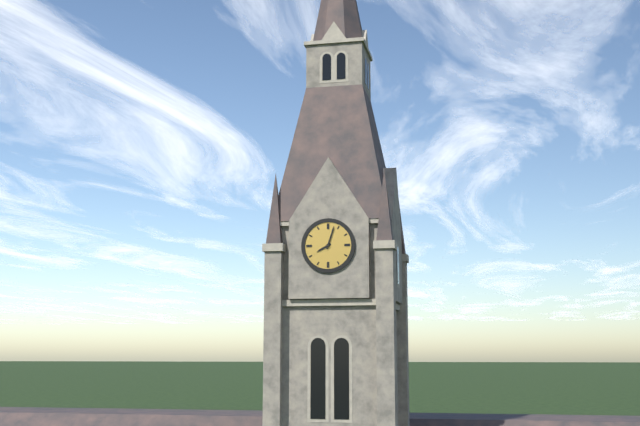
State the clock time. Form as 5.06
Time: 8.03
